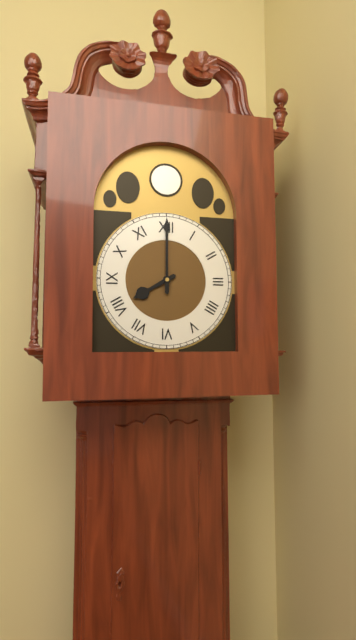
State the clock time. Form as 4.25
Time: 8.00
